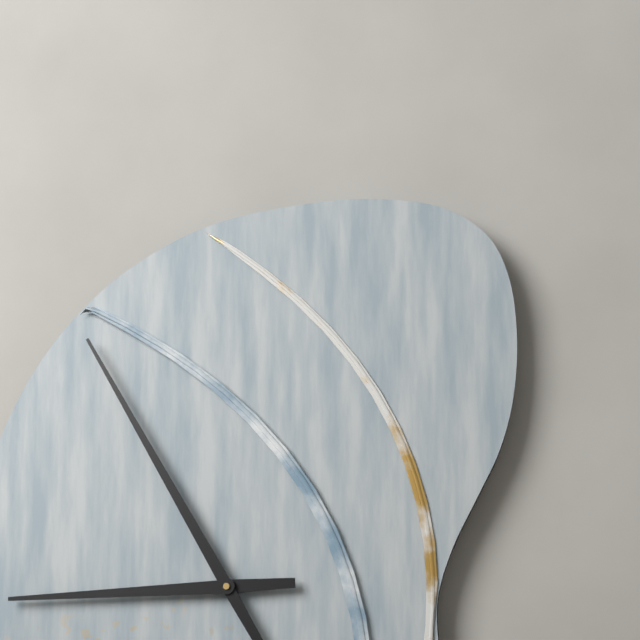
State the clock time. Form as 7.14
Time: 8.55
